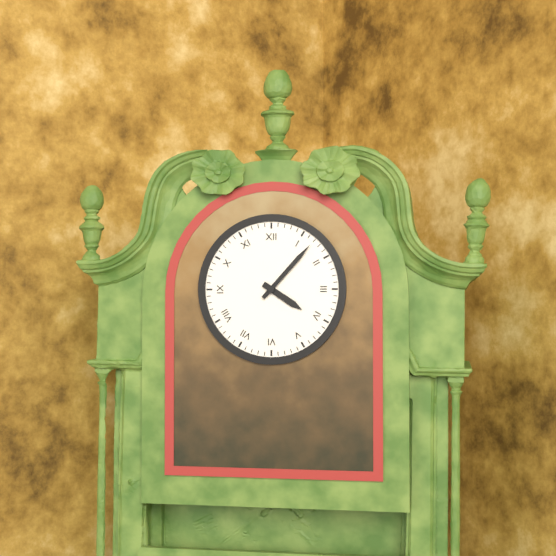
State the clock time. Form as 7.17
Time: 4.07
